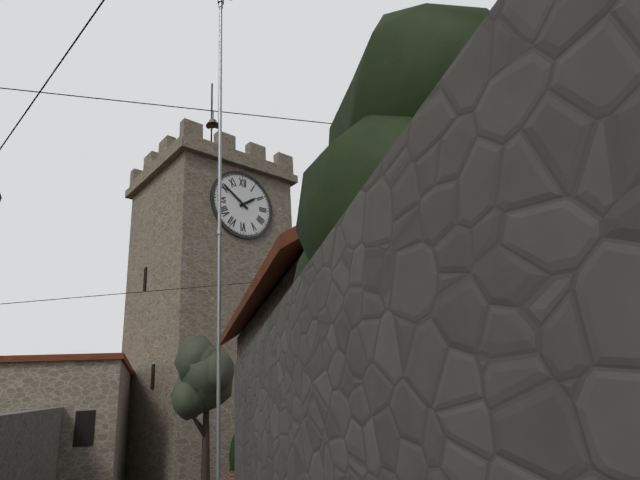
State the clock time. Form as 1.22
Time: 1.51
